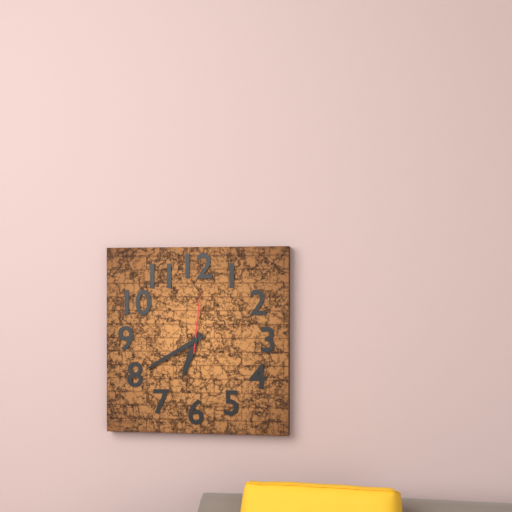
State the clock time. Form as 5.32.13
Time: 6.40.01
